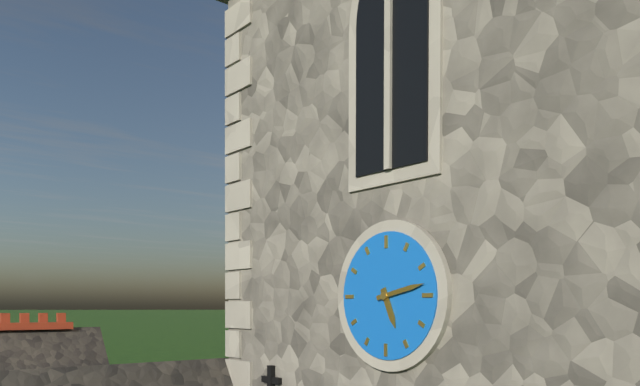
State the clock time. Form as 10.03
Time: 5.13
